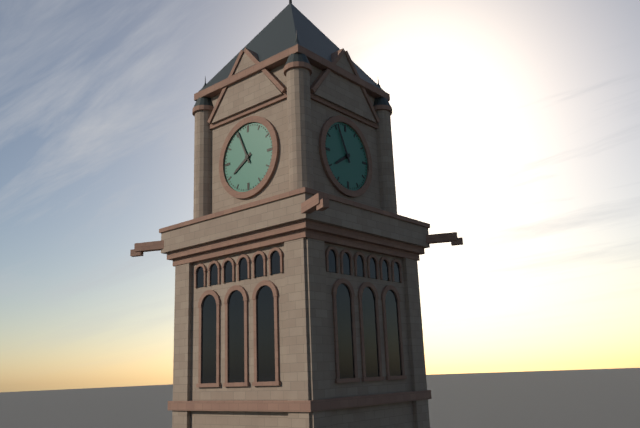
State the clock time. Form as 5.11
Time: 7.56
